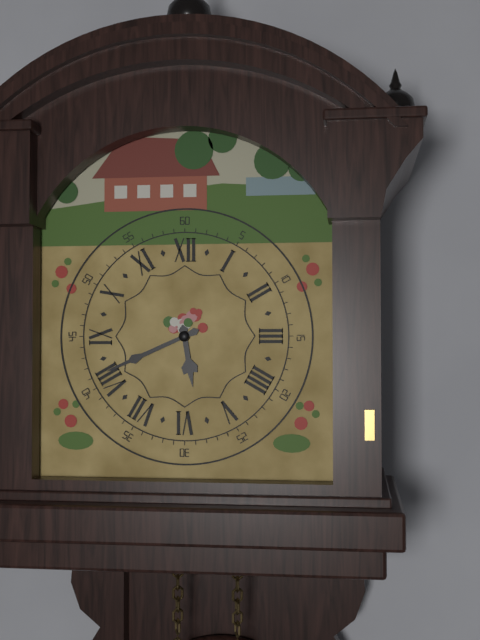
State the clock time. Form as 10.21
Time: 5.41
